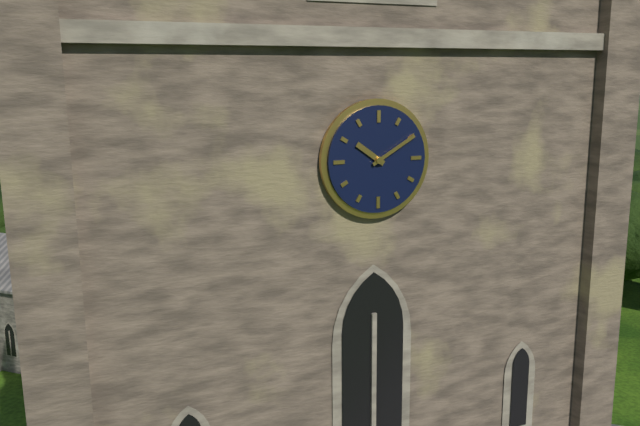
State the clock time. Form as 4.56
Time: 10.10
